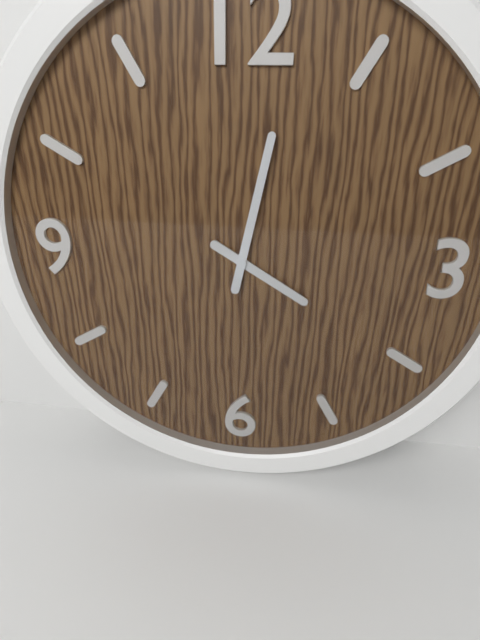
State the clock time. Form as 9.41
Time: 4.02
